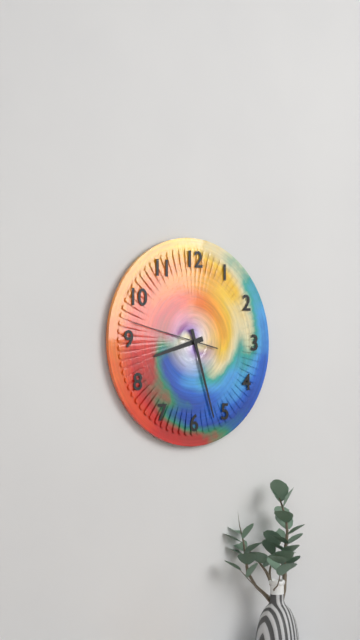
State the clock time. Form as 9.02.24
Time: 8.27.47
